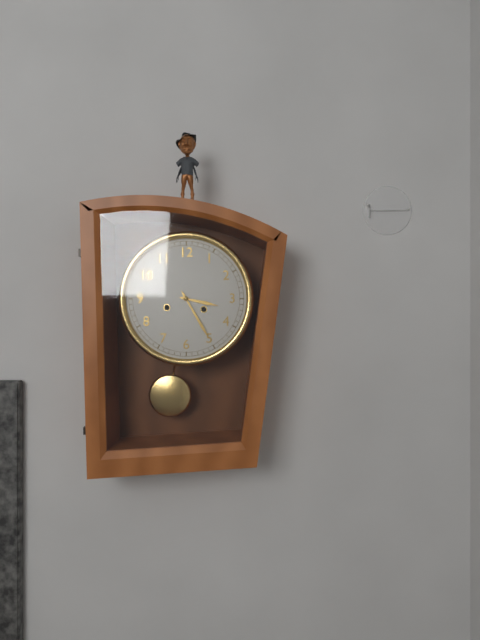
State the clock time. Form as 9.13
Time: 3.25
